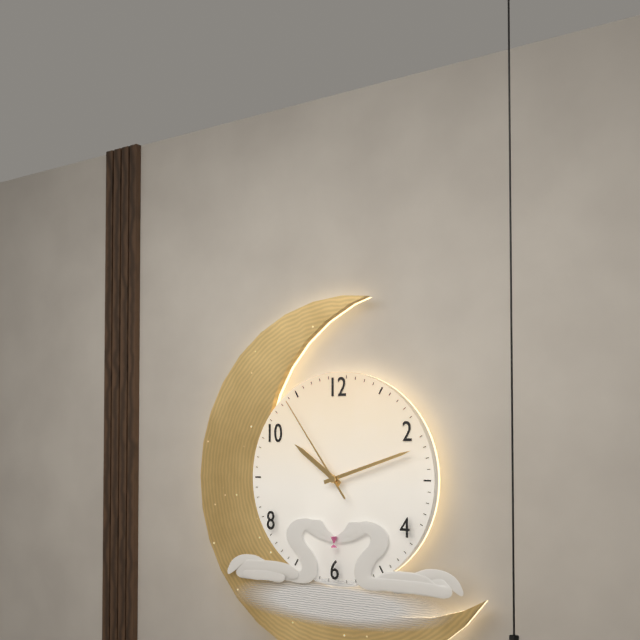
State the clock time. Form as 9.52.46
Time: 10.12.54
